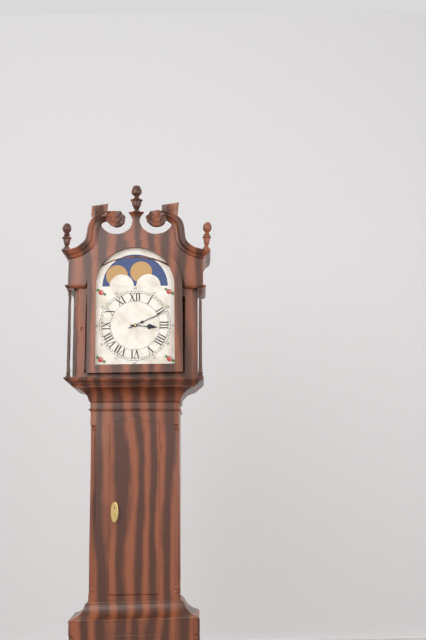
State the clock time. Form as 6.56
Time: 3.11
